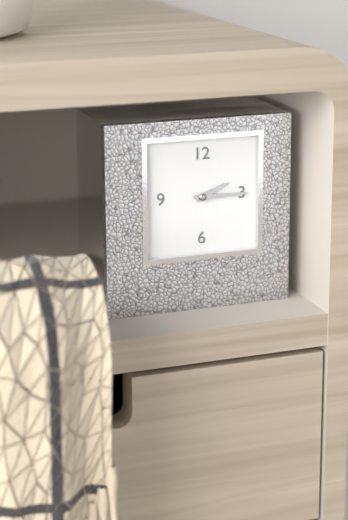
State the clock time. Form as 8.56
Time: 2.15
